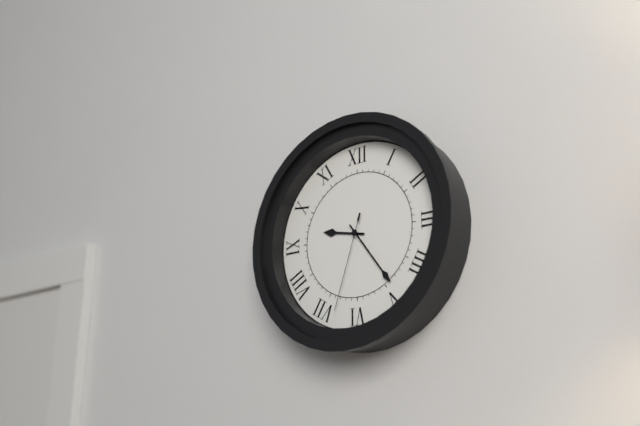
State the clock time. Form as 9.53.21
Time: 9.24.33
